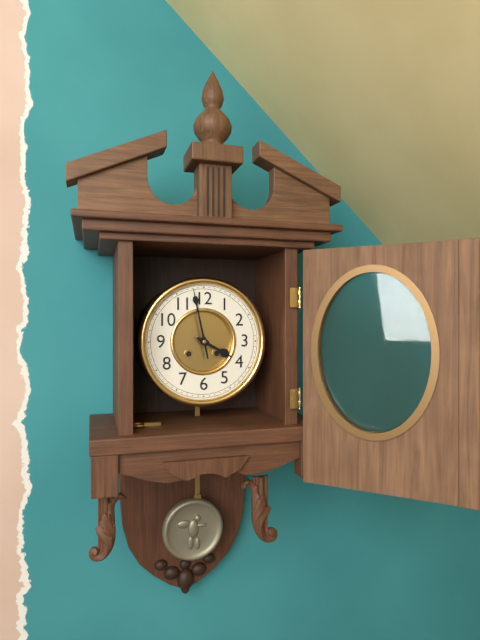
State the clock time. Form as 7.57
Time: 3.58
